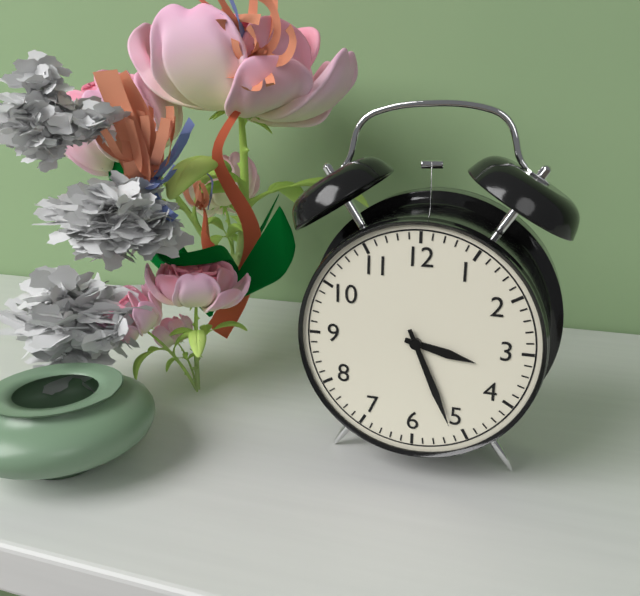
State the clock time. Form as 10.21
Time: 3.26
